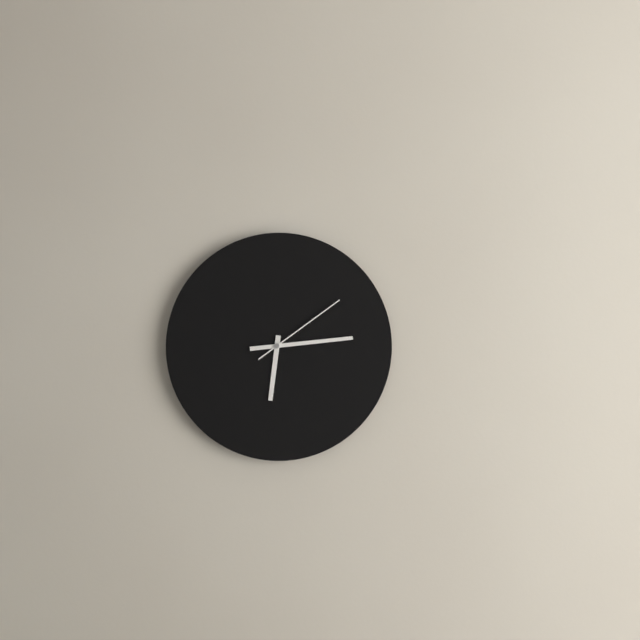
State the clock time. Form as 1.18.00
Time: 6.14.09
